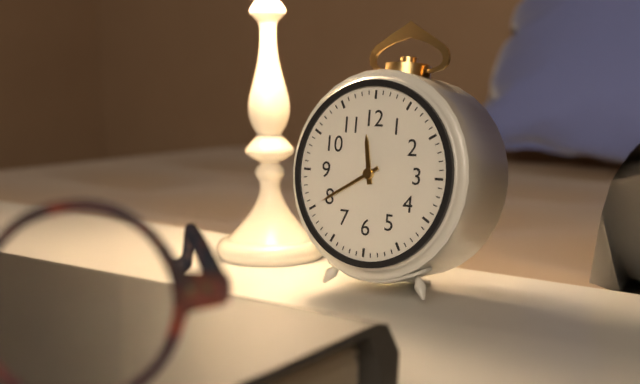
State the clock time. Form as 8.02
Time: 11.40
